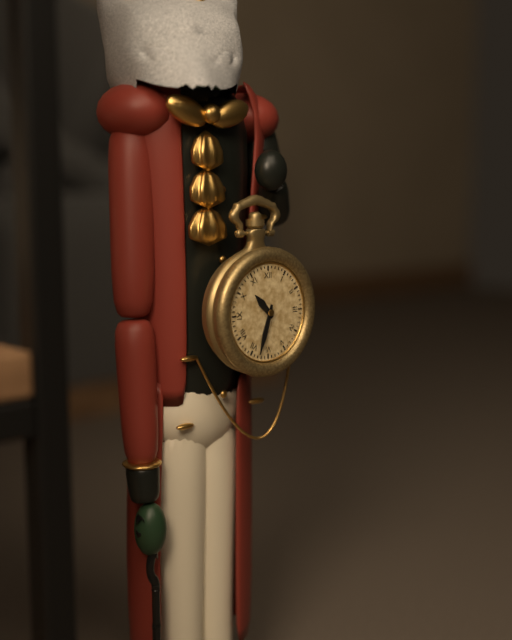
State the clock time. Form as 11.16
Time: 10.33
